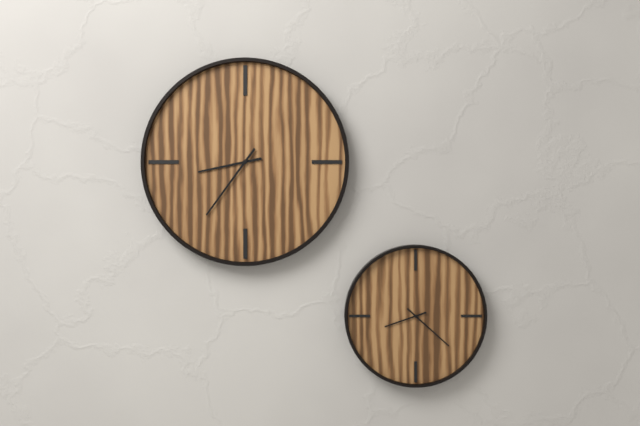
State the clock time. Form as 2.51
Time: 8.36
